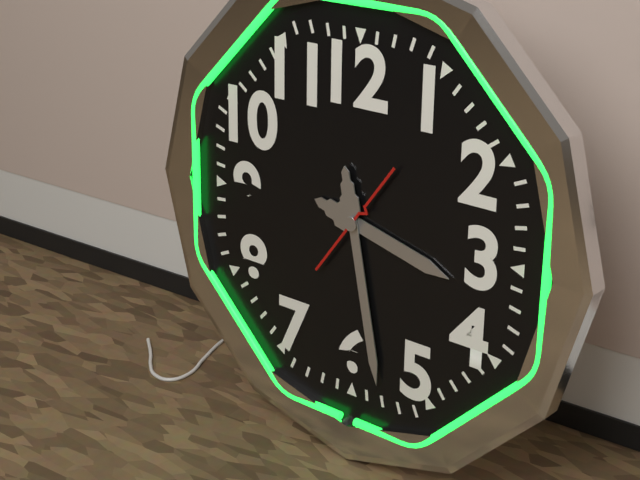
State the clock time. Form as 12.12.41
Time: 3.28.06
